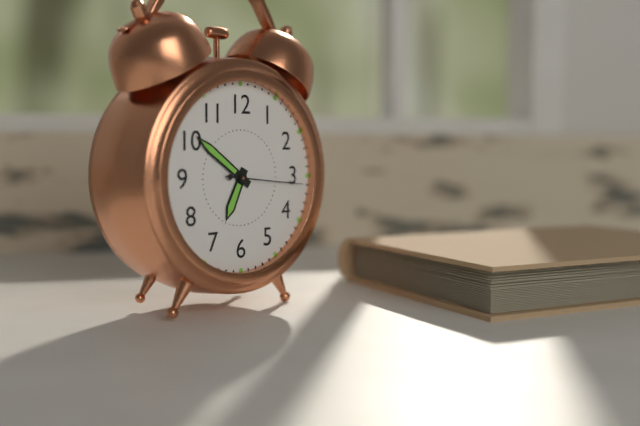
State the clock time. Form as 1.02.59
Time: 6.51.16
